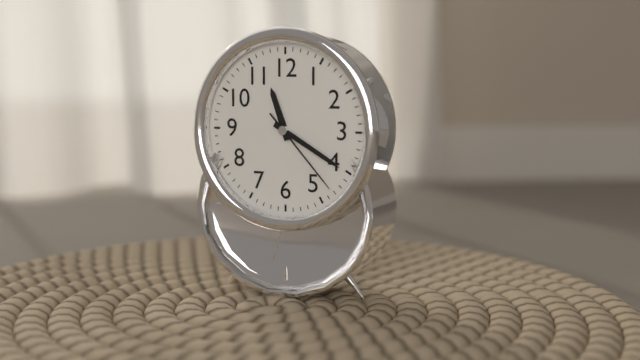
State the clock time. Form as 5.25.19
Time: 11.20.23
